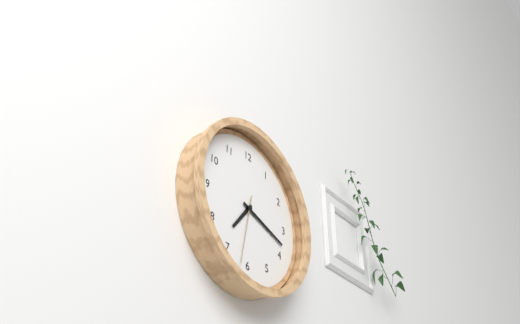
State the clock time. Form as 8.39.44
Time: 7.18.32
